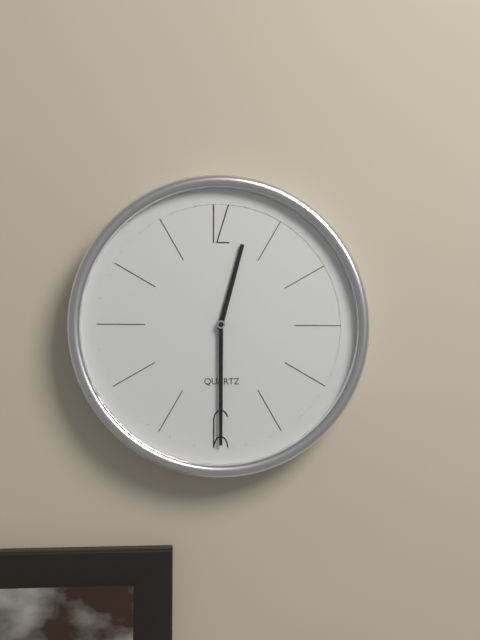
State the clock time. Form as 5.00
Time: 12.30
